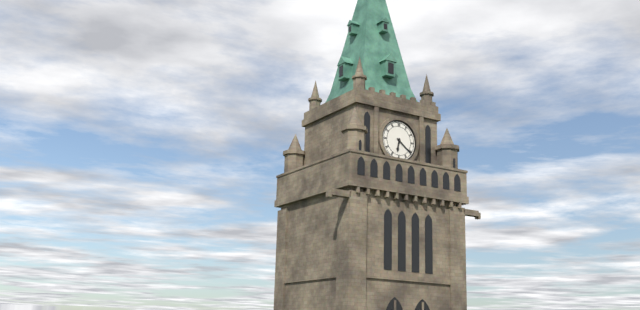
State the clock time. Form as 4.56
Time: 6.21
